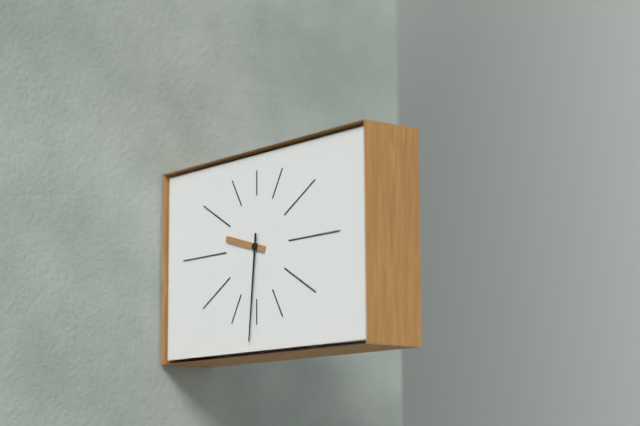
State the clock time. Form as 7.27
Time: 9.31
